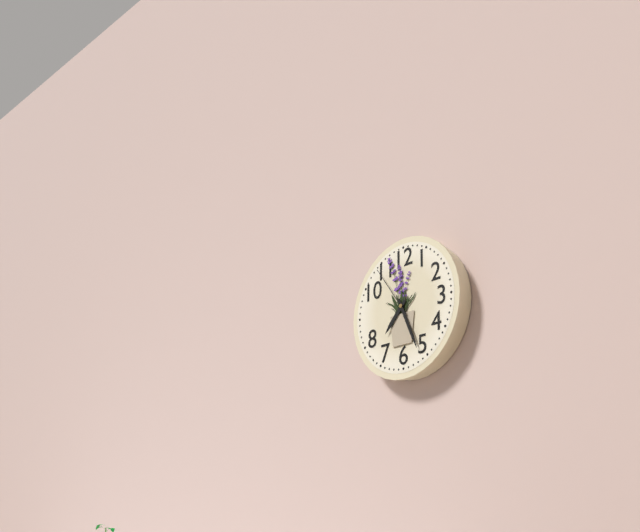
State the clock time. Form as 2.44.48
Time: 7.26.54
